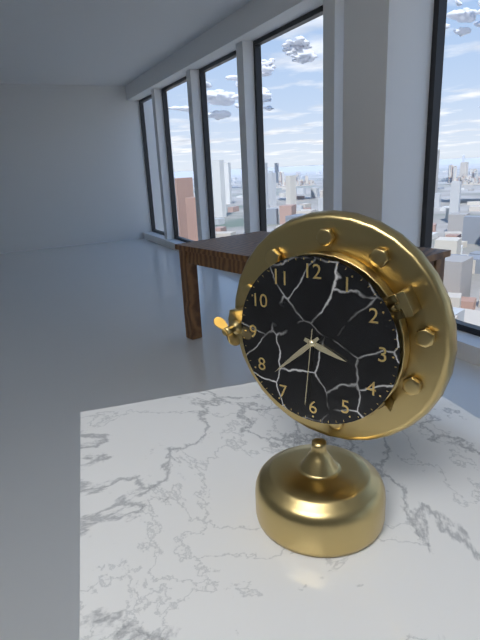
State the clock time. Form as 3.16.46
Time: 3.38.31
